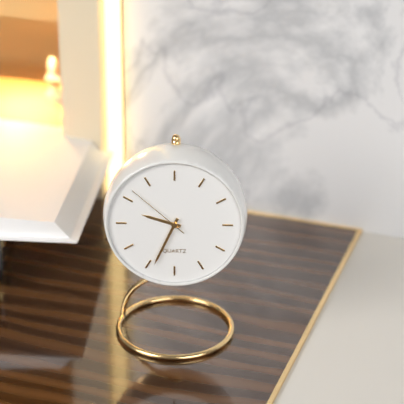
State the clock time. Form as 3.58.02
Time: 9.34.52
